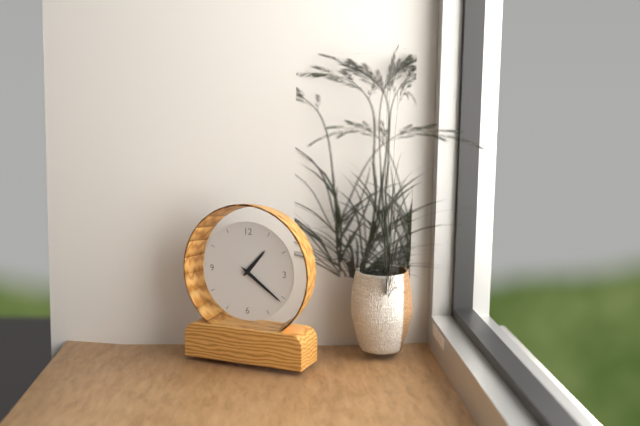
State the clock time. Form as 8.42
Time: 1.21
